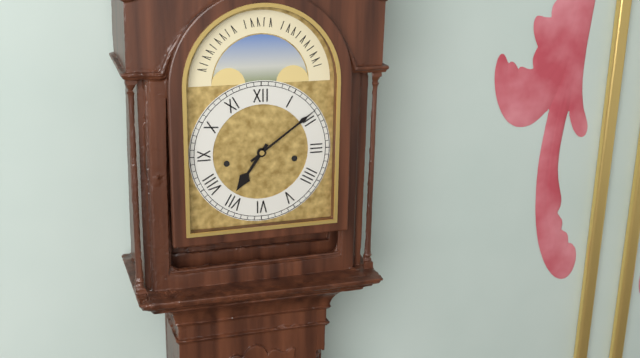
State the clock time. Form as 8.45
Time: 7.09
